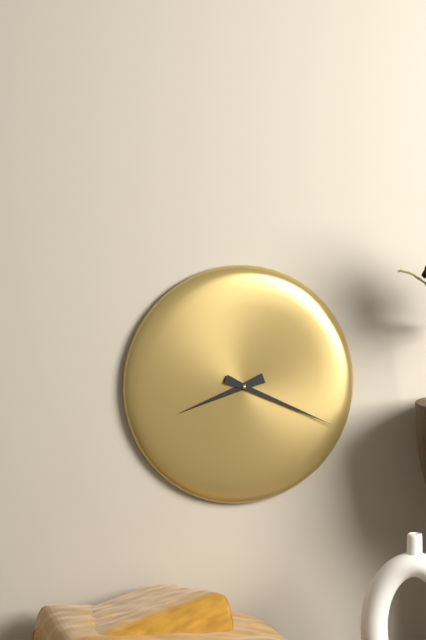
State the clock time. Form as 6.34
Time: 8.19
